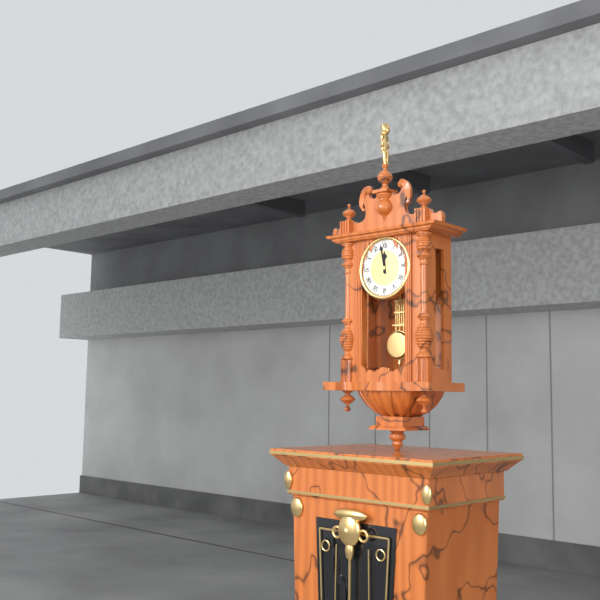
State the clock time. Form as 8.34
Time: 11.58
